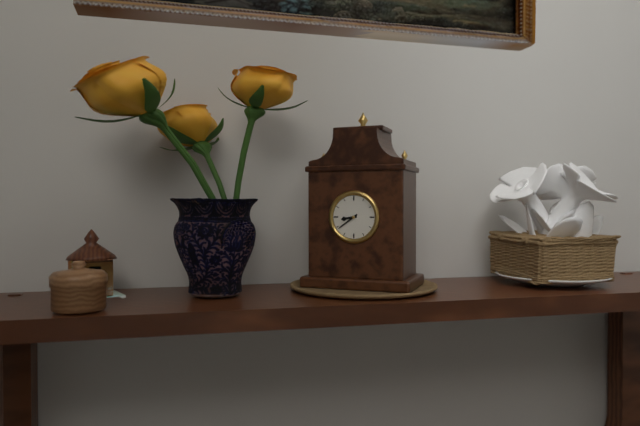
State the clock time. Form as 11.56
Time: 8.39
